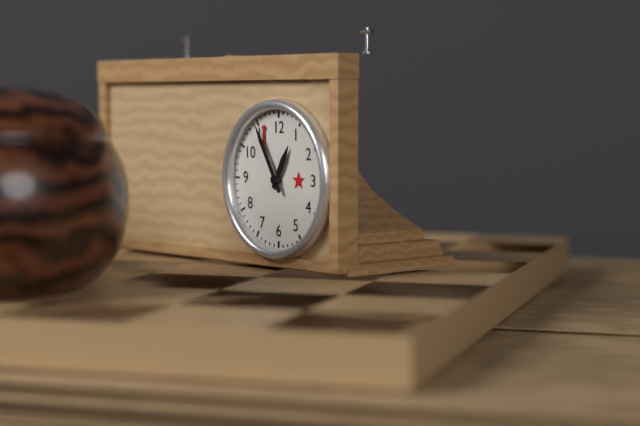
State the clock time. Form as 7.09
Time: 12.55
